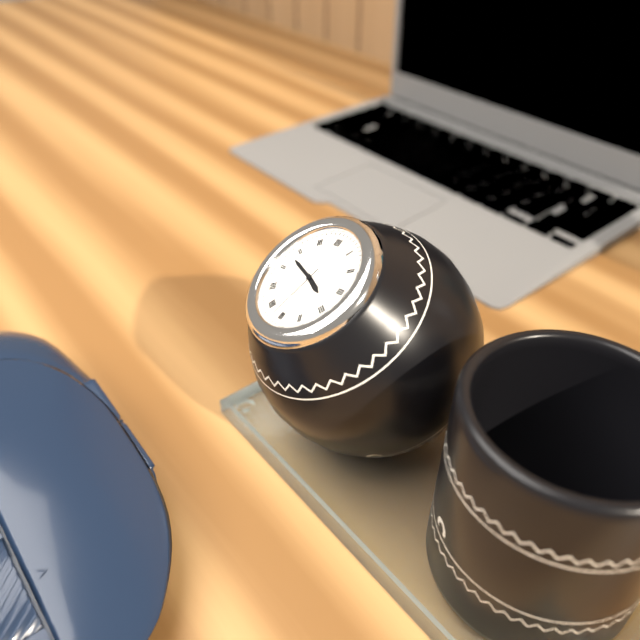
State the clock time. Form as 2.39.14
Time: 3.48.32
